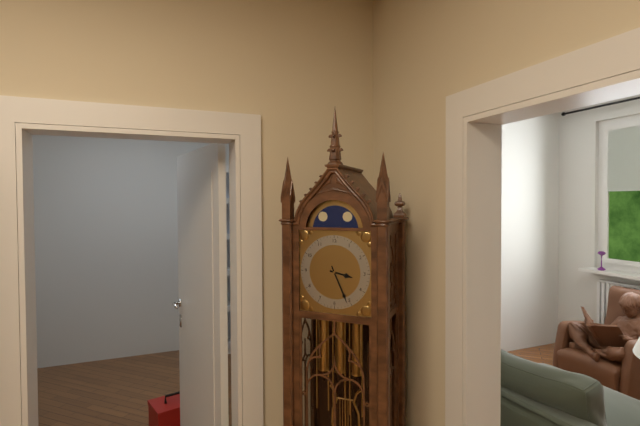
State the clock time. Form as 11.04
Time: 3.26
